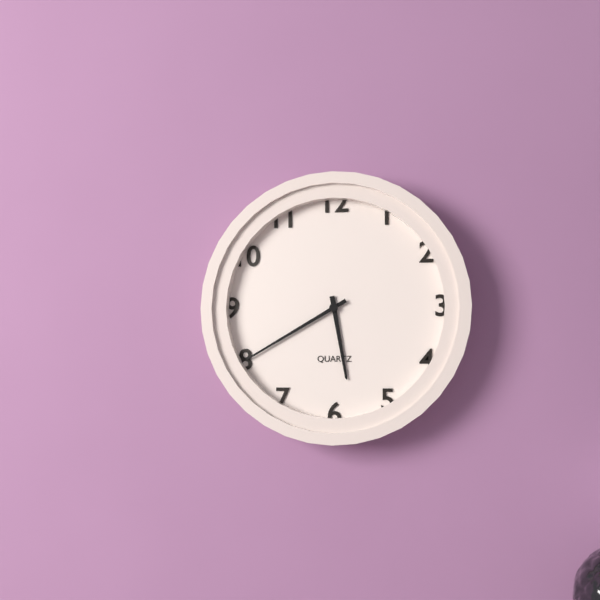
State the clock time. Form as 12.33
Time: 5.40
